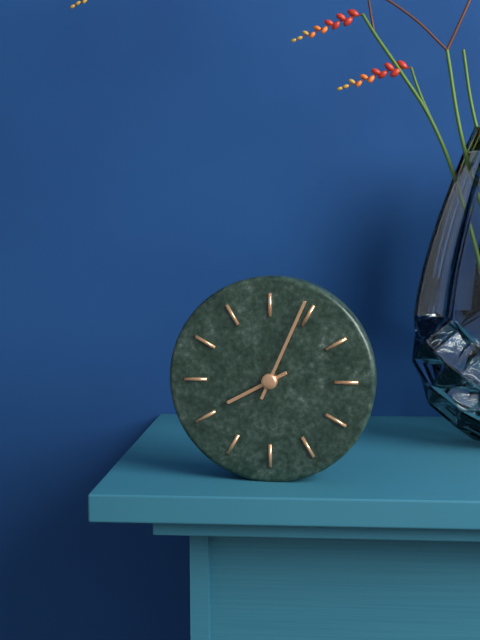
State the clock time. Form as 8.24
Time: 8.04
